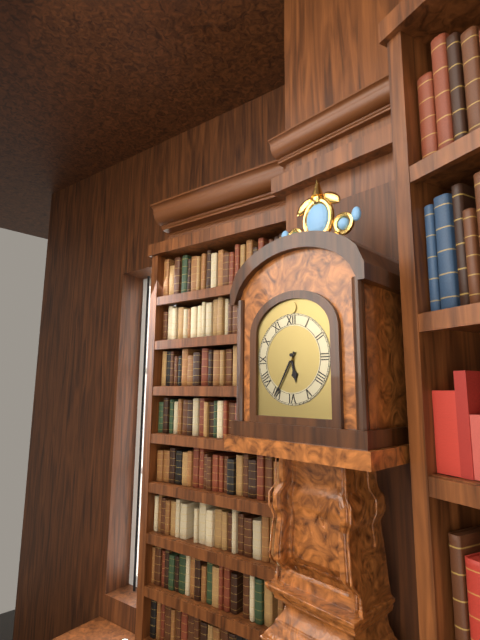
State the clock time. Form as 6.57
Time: 5.35
